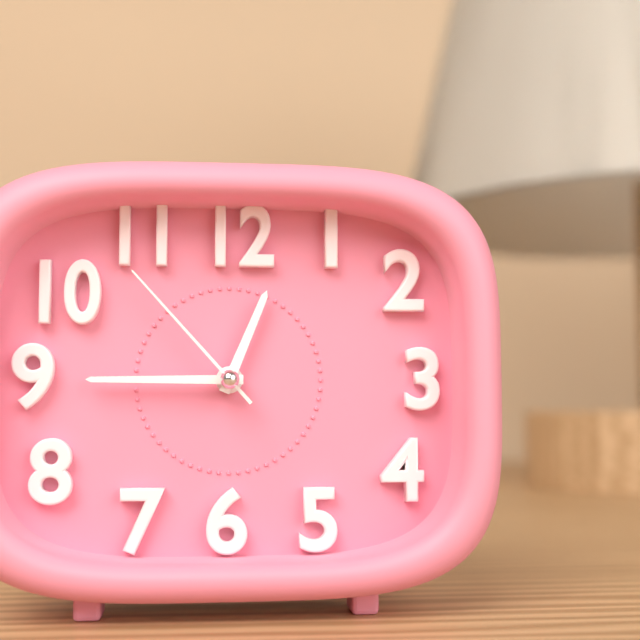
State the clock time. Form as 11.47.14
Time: 12.45.53
